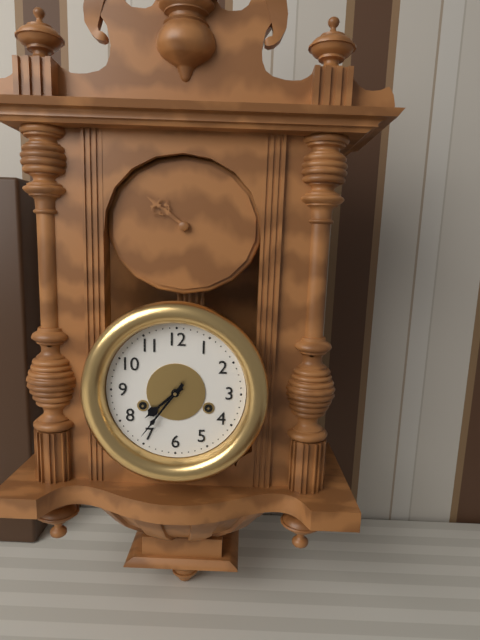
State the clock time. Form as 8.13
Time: 7.36
